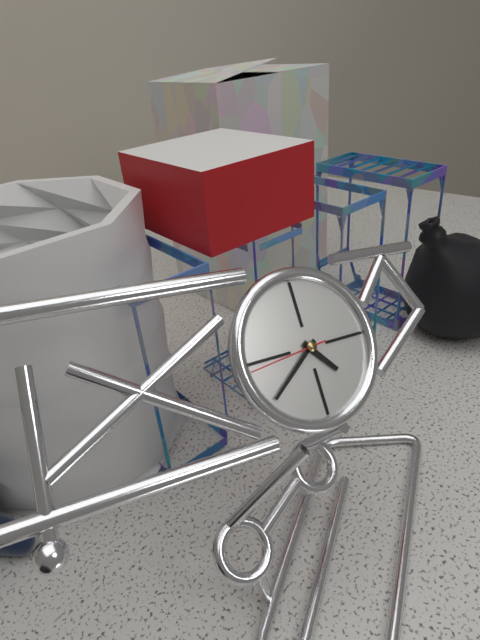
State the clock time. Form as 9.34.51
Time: 4.39.44
